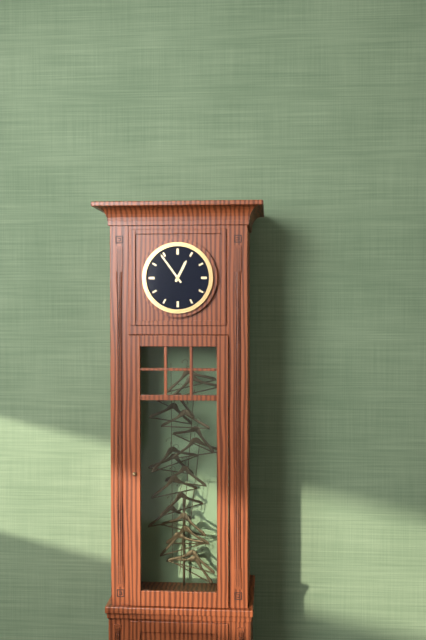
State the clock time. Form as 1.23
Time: 12.54
